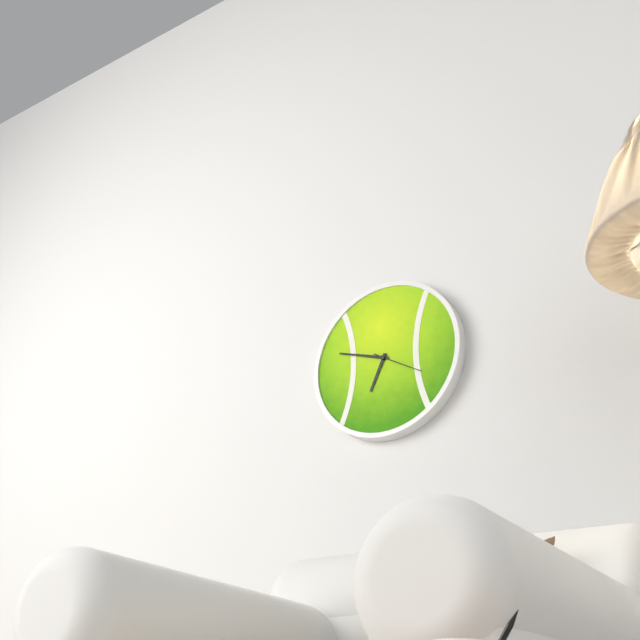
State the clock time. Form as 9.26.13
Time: 6.48.20
